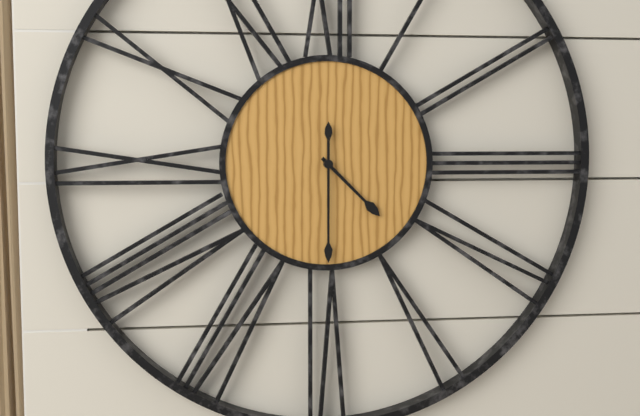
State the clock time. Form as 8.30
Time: 4.30
